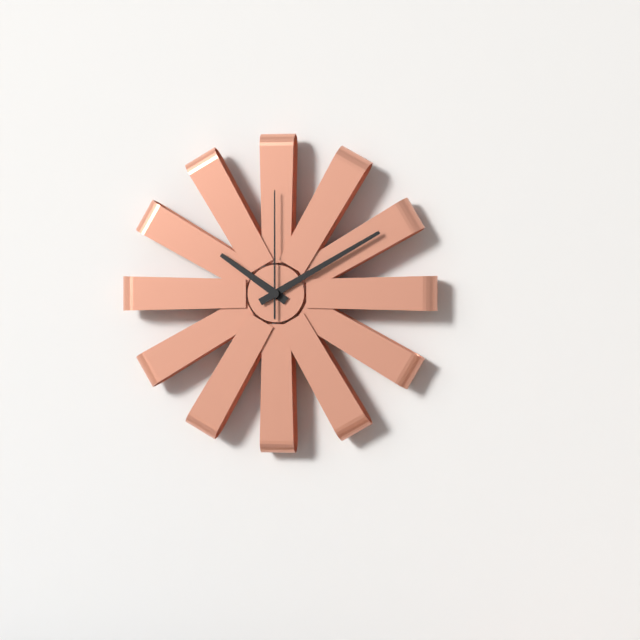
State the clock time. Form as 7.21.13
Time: 10.10.00
